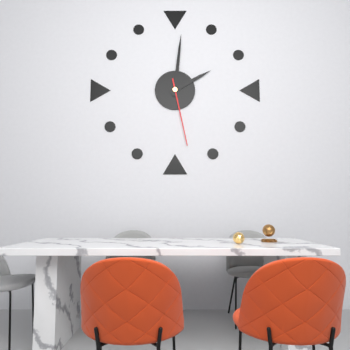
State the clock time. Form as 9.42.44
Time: 2.01.28
